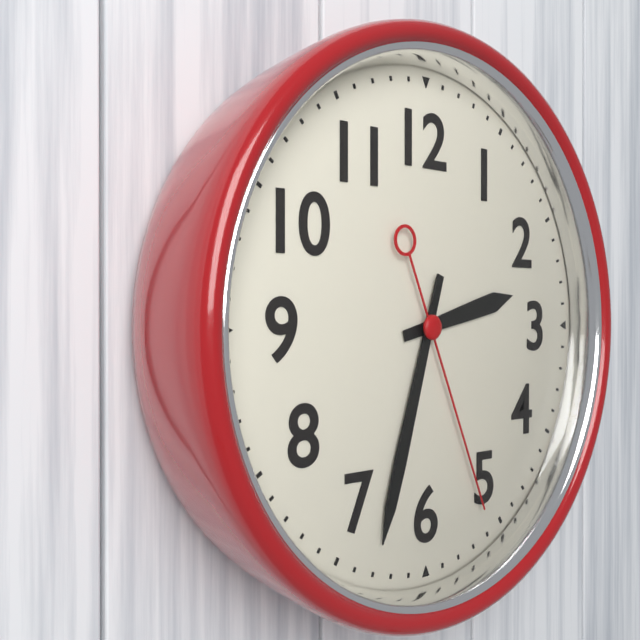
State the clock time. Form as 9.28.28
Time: 2.33.26
